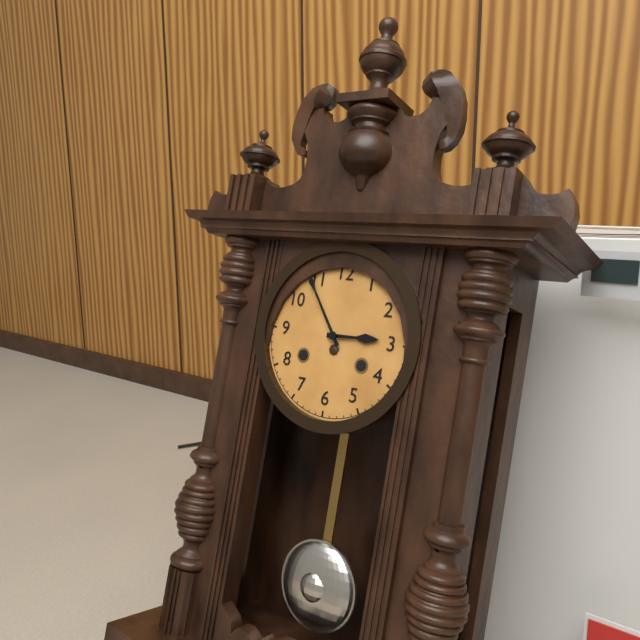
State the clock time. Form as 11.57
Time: 2.54
